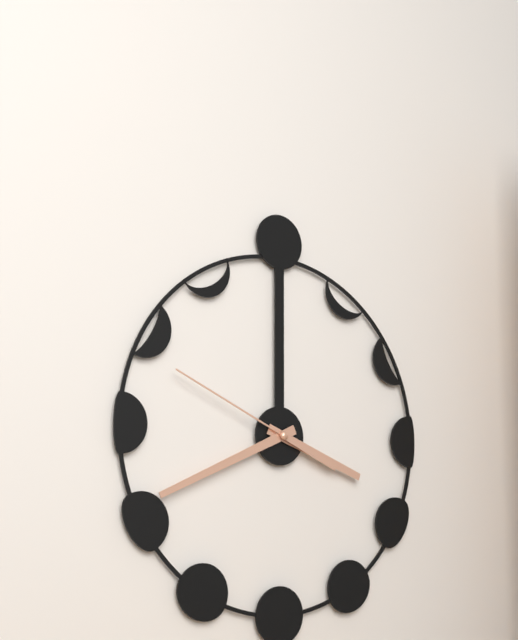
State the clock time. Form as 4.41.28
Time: 3.41.49
